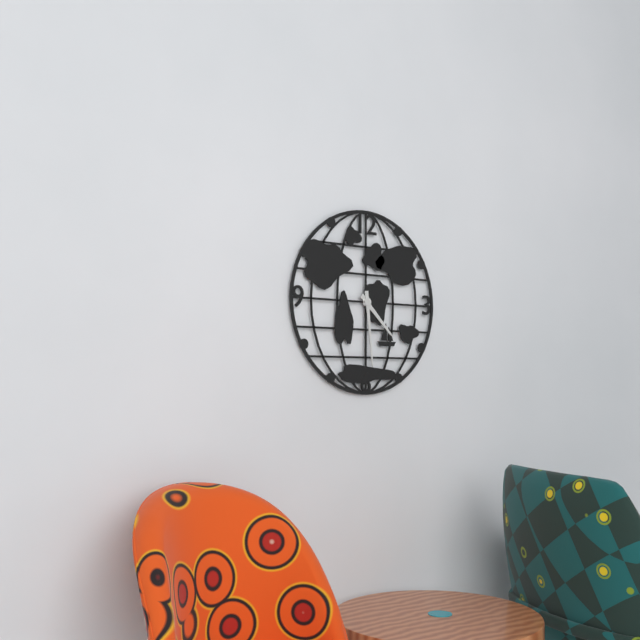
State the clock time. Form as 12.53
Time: 4.29
